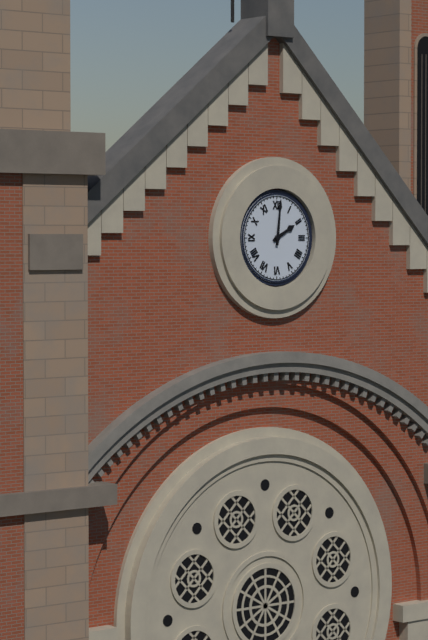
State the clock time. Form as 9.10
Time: 2.01
